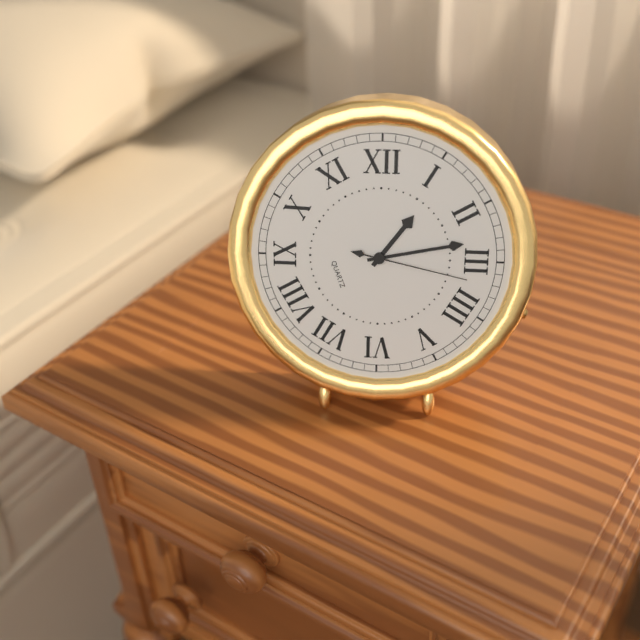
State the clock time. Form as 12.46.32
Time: 1.13.17
